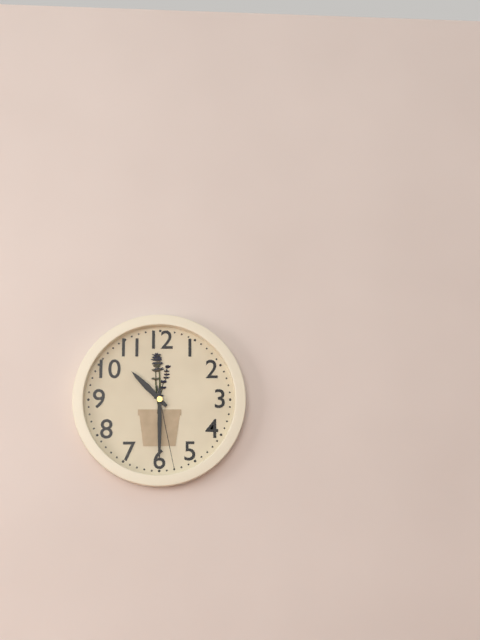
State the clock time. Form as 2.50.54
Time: 10.30.28
